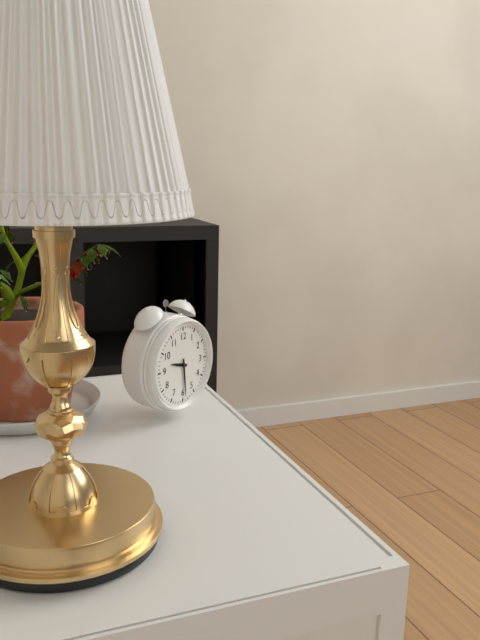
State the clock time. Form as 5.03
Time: 9.29
